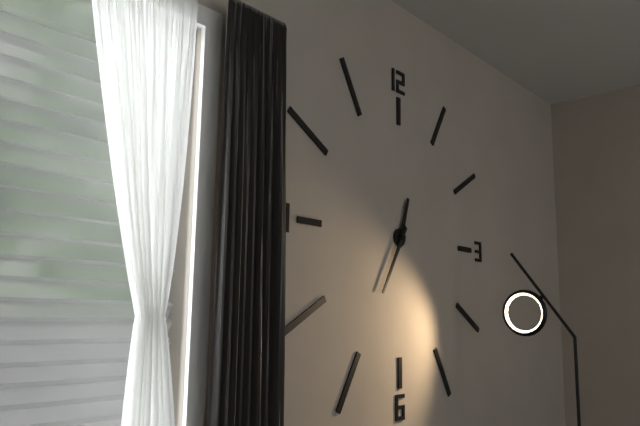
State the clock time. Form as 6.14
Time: 12.35
